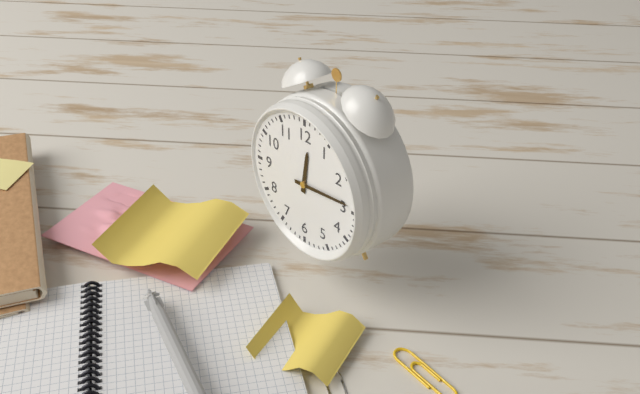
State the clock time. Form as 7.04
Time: 12.14
